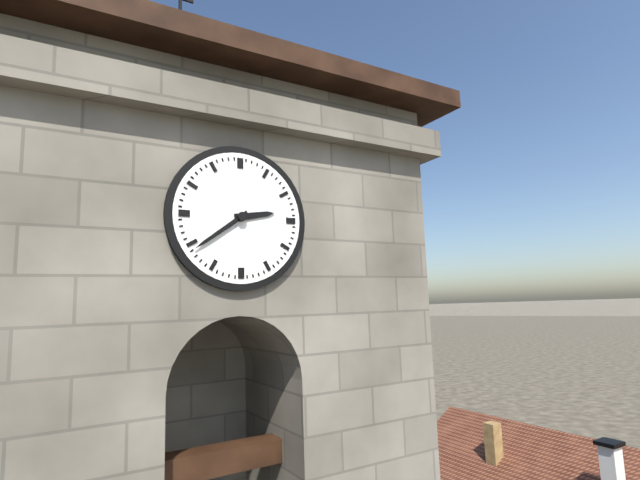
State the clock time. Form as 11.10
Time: 2.39
